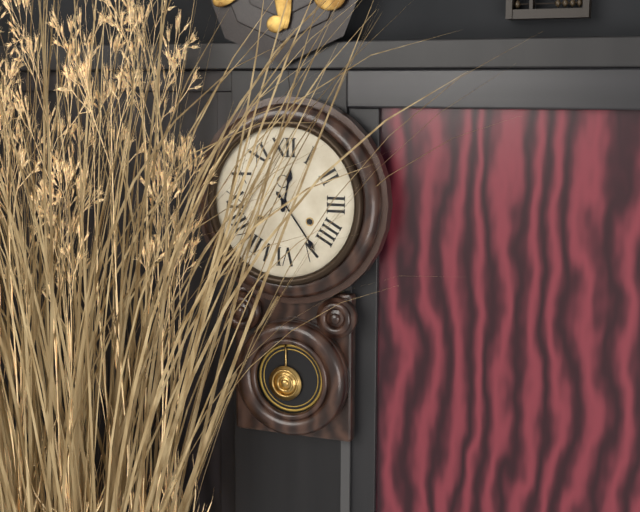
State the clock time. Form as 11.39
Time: 12.24
